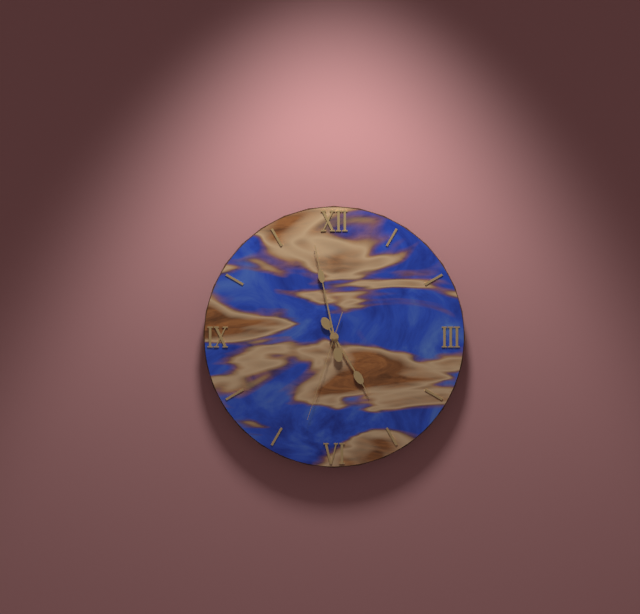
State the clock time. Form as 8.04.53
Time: 4.58.33
